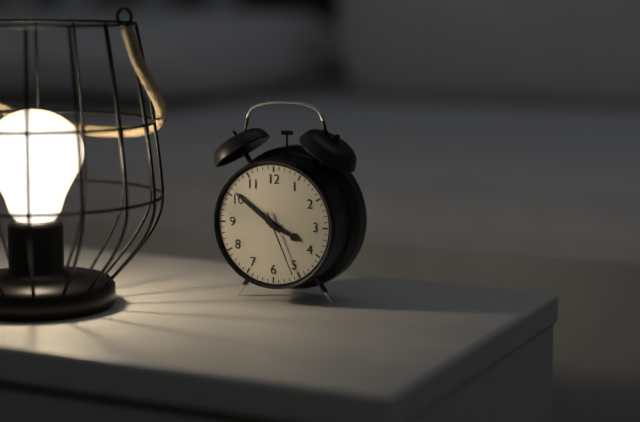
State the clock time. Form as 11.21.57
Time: 3.51.26
